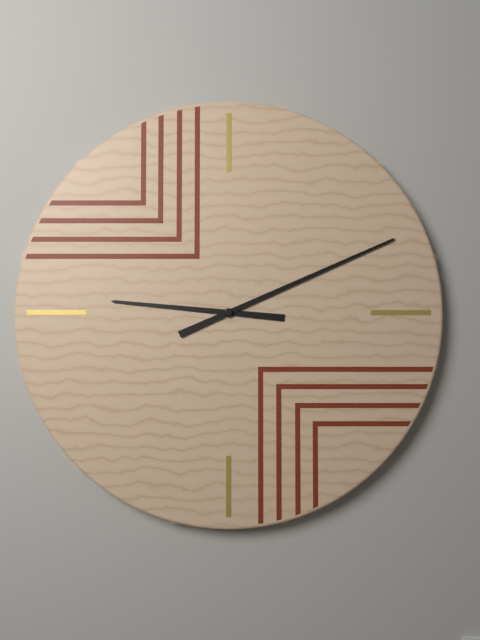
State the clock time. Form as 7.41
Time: 9.11
